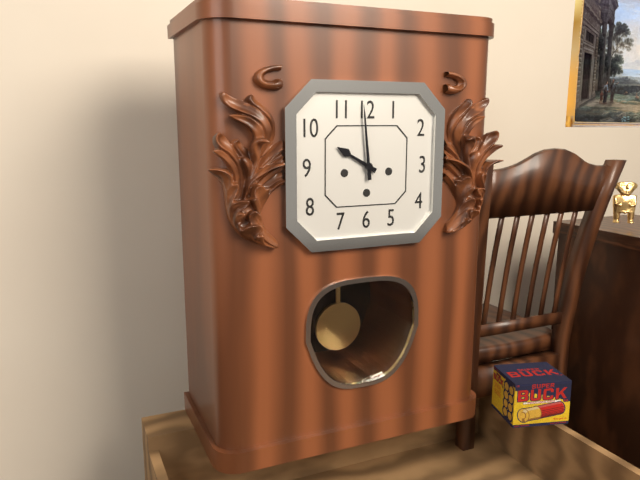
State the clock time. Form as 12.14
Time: 9.59
